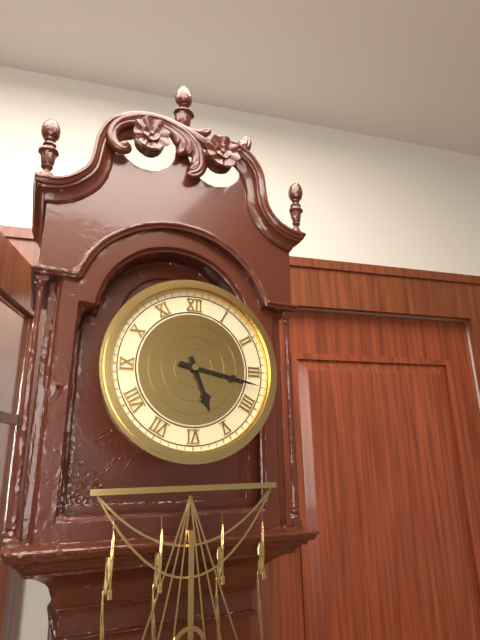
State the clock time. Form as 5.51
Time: 5.17
